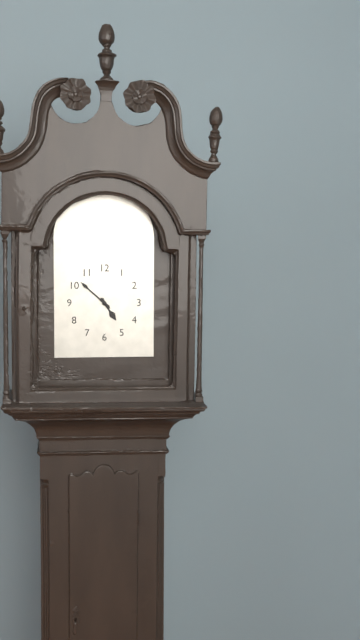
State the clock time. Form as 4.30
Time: 4.52
